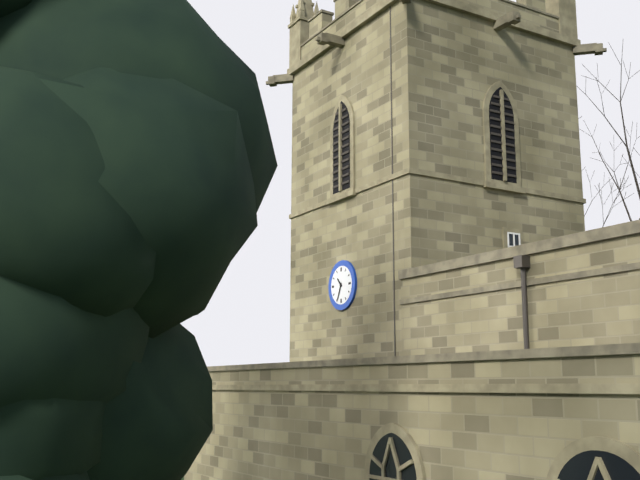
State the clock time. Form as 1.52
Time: 10.34
